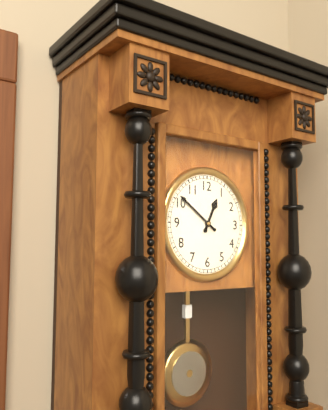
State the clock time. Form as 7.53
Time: 12.51
